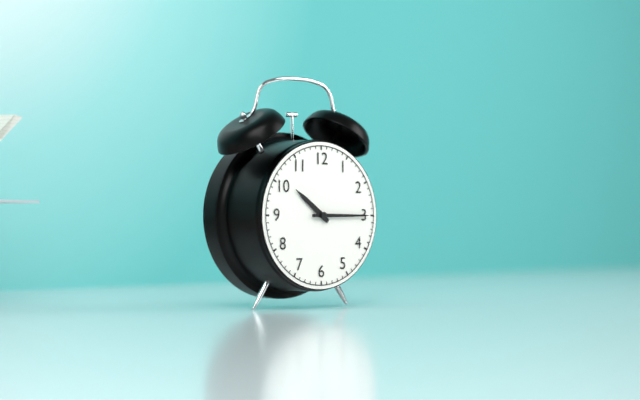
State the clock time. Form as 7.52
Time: 10.15
